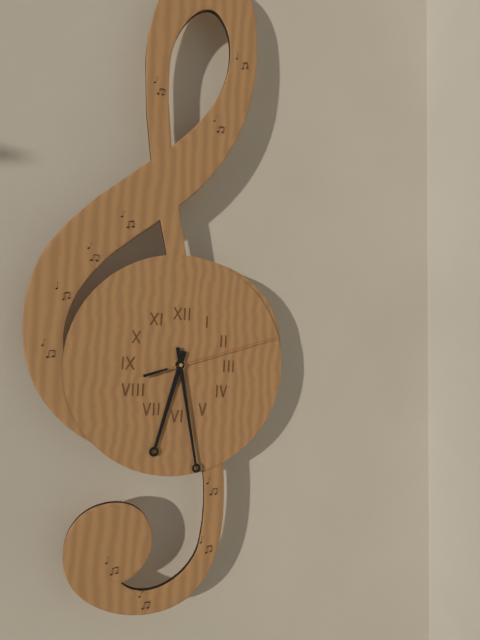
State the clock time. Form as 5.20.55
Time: 6.28.12
